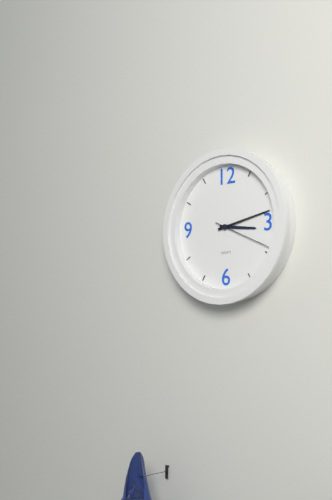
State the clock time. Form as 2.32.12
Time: 3.13.19
